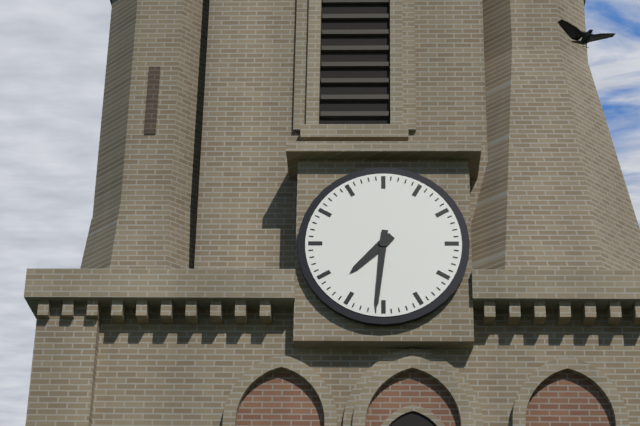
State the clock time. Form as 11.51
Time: 7.31
